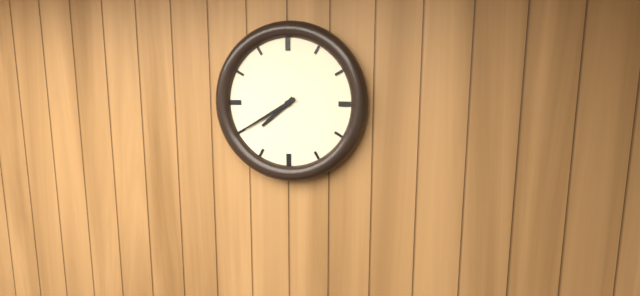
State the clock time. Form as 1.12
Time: 7.40
